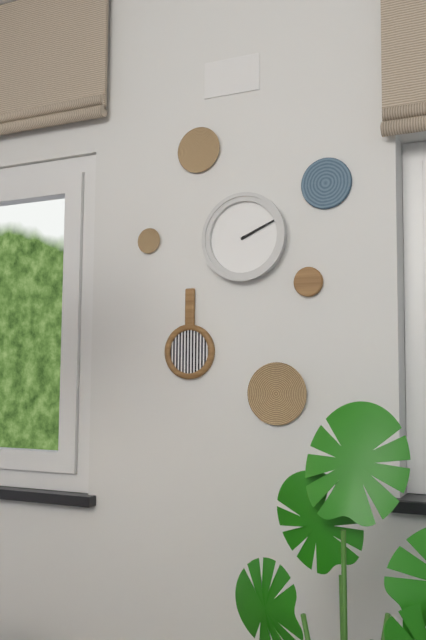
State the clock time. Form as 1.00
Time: 2.11
